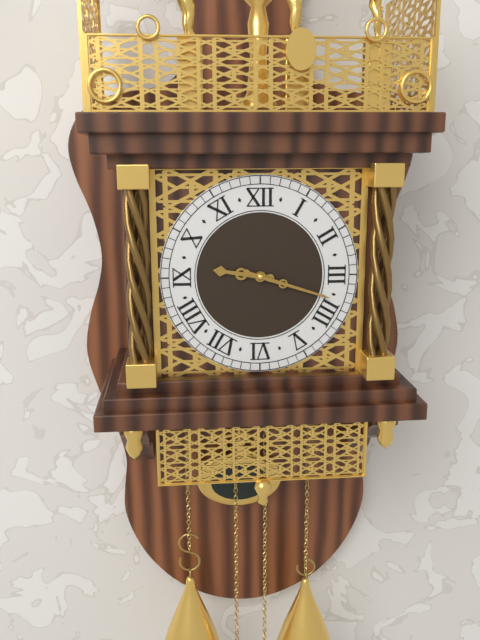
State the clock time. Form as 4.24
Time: 9.18
